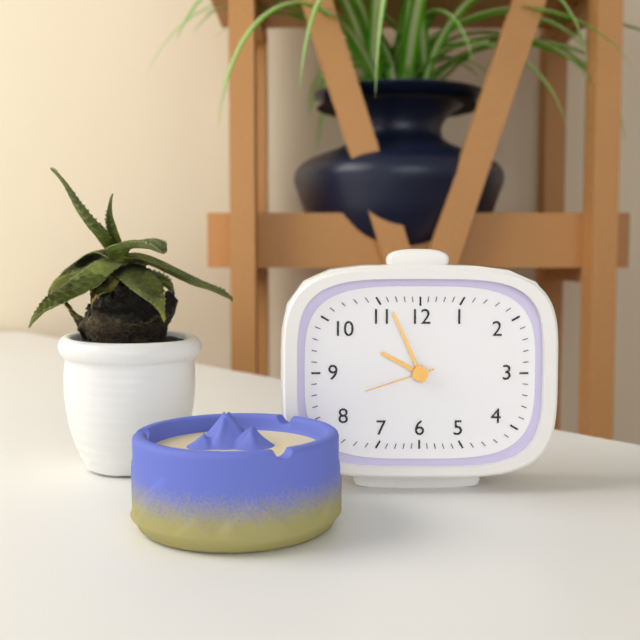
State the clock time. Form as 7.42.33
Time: 9.56.42
